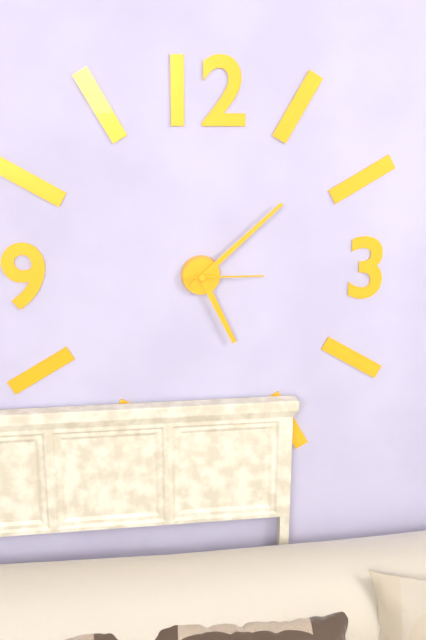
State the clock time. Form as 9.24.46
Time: 5.08.15
